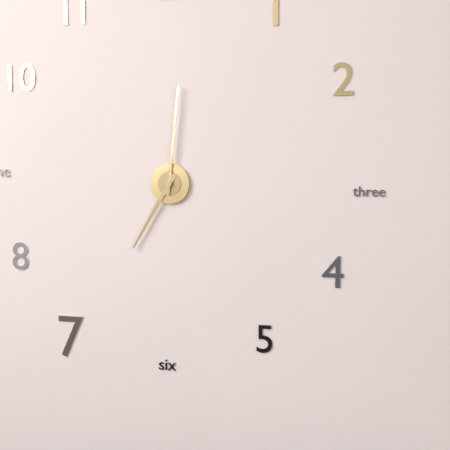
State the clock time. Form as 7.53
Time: 7.01
